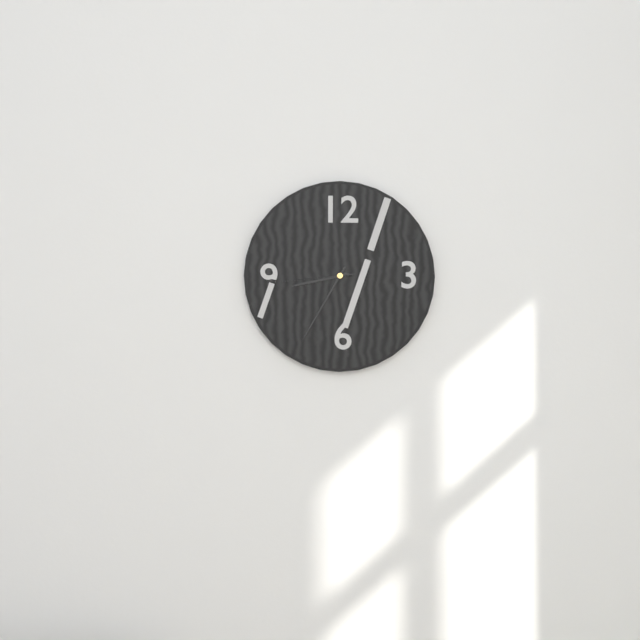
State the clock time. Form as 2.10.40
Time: 8.35.44
